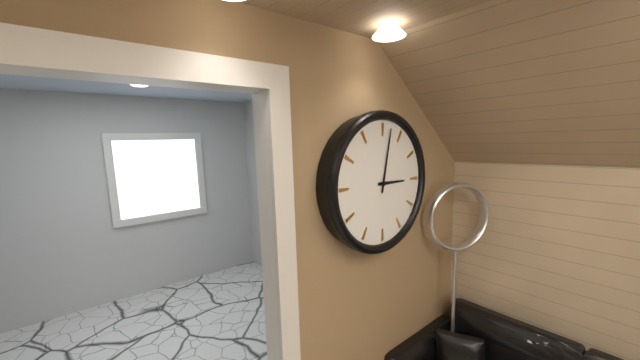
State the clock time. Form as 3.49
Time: 3.02
